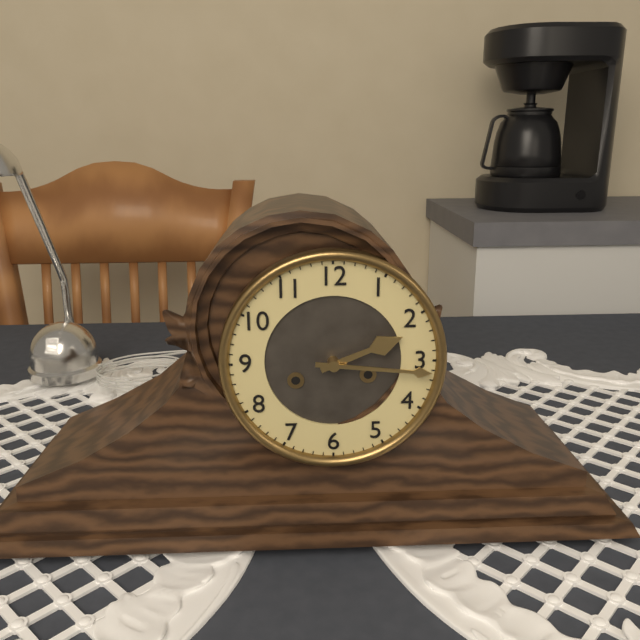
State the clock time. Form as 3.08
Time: 2.16
